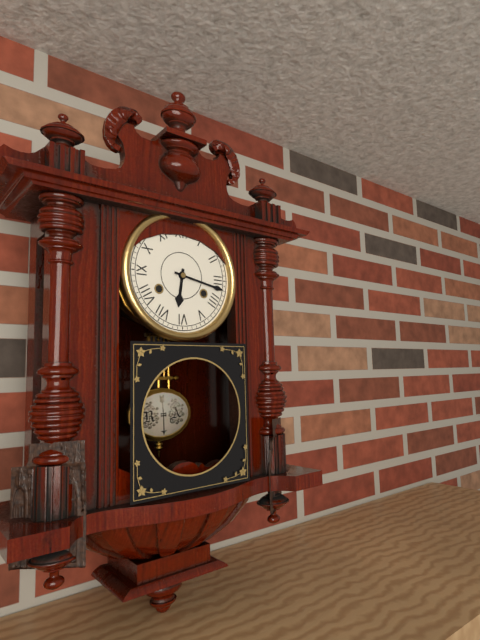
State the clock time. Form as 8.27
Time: 6.17
